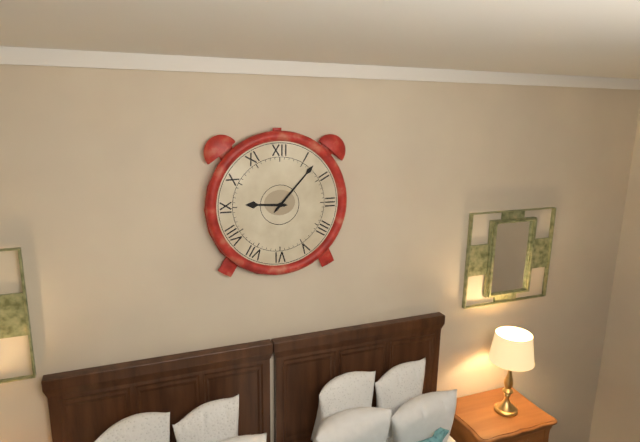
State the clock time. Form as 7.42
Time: 9.07
